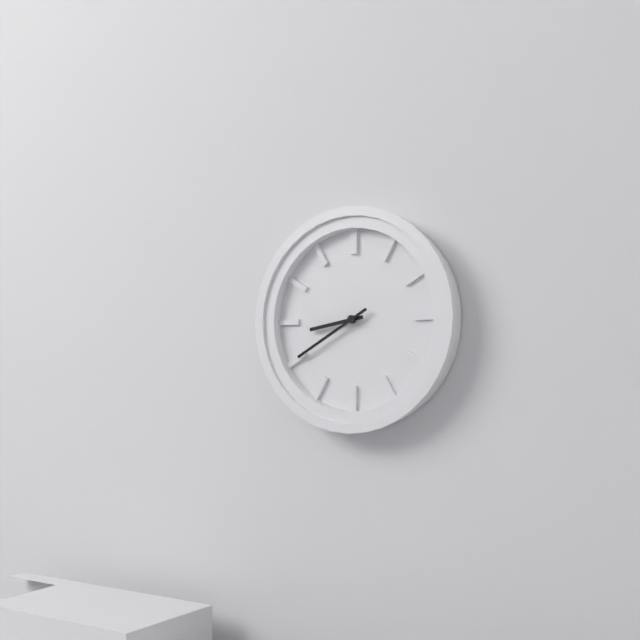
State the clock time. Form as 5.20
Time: 8.40
